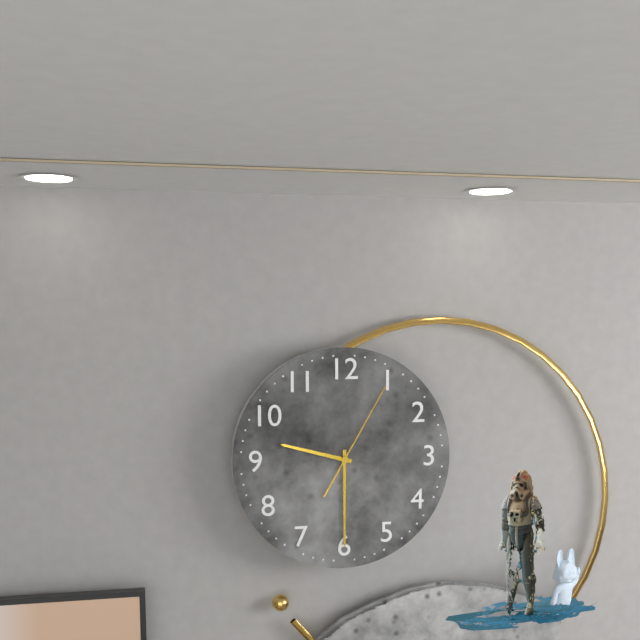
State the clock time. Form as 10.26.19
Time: 9.30.05
